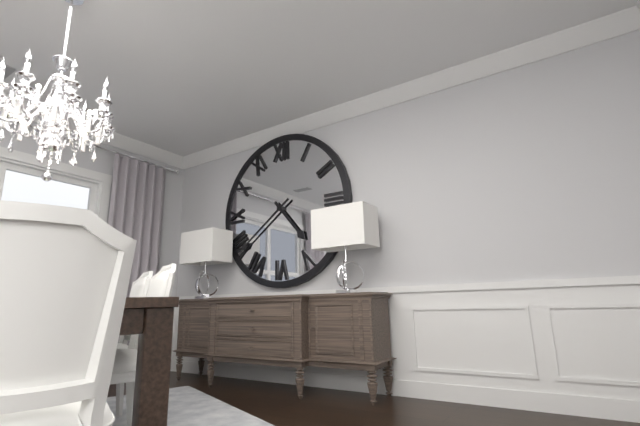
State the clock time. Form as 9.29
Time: 4.39
